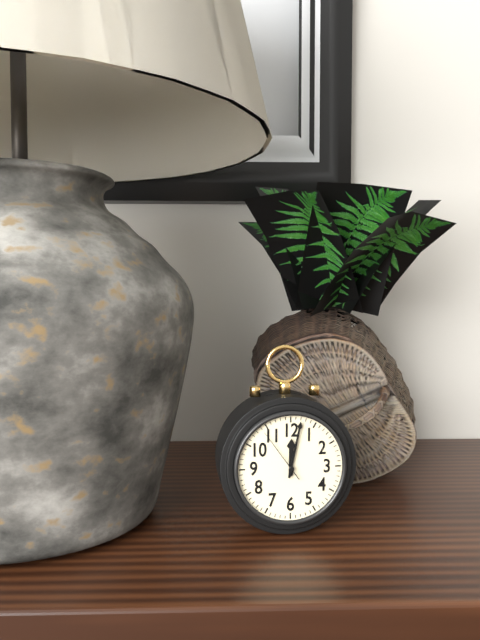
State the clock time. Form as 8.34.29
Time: 12.02.54
